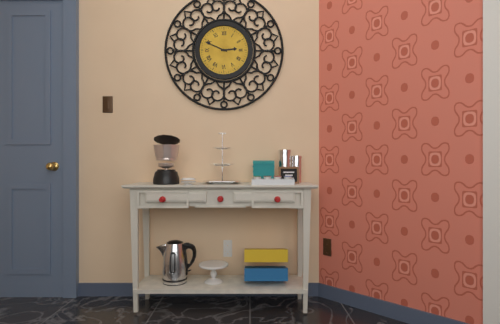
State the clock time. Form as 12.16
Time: 2.49
